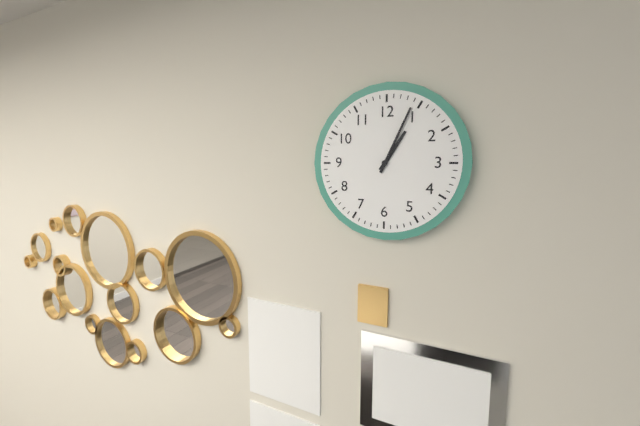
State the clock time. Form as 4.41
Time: 1.04
